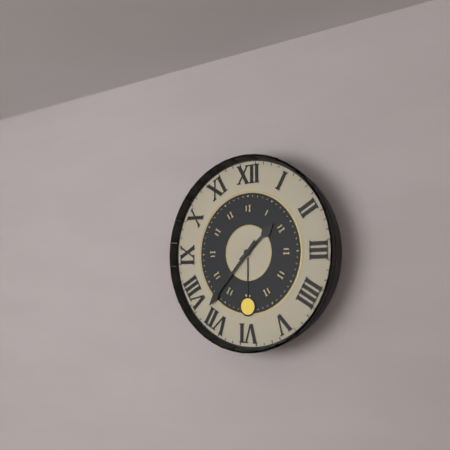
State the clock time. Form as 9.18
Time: 1.37
